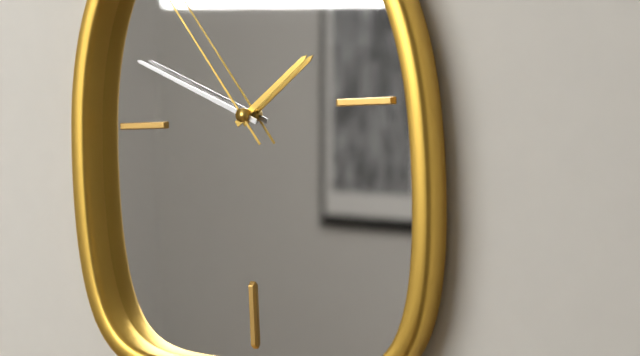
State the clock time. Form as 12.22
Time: 1.49
